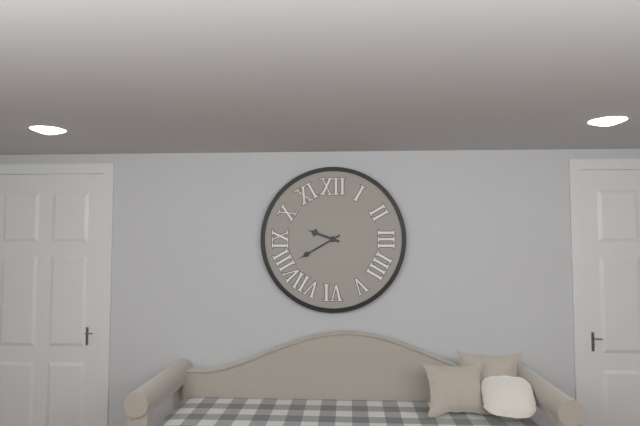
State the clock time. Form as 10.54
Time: 9.40
